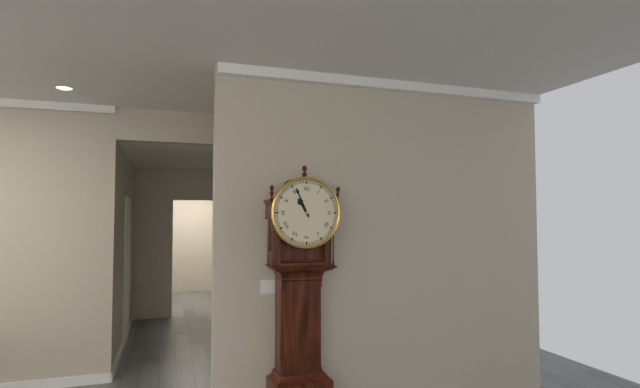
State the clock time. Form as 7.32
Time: 10.56
